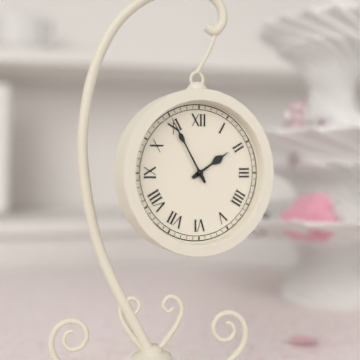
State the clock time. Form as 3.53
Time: 1.55
